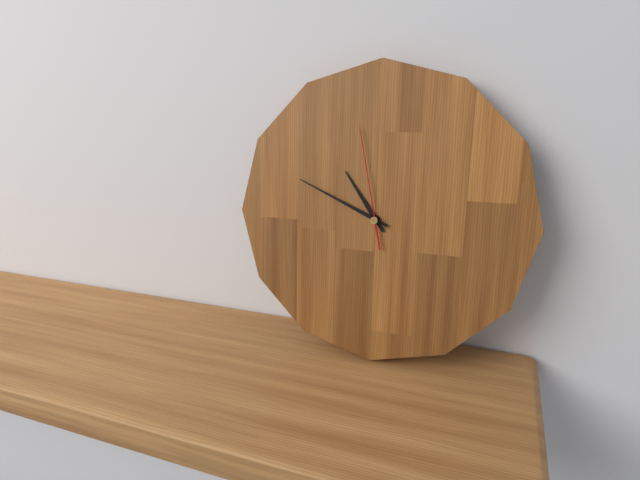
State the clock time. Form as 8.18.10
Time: 10.49.58
